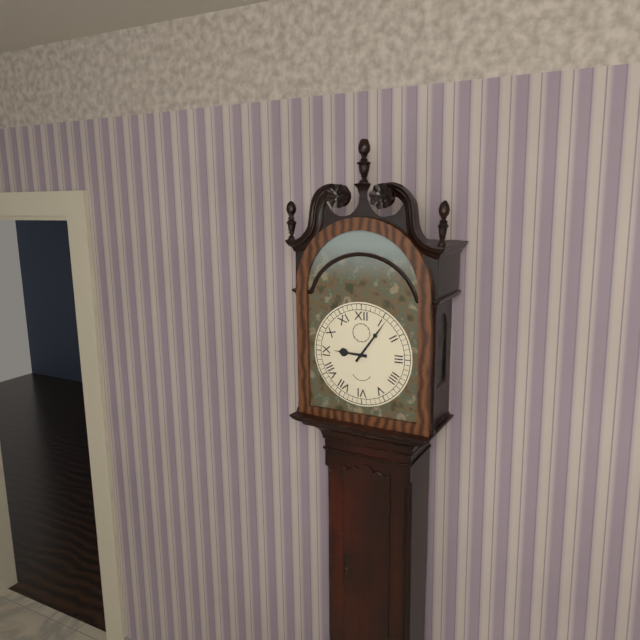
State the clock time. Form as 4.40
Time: 9.06
